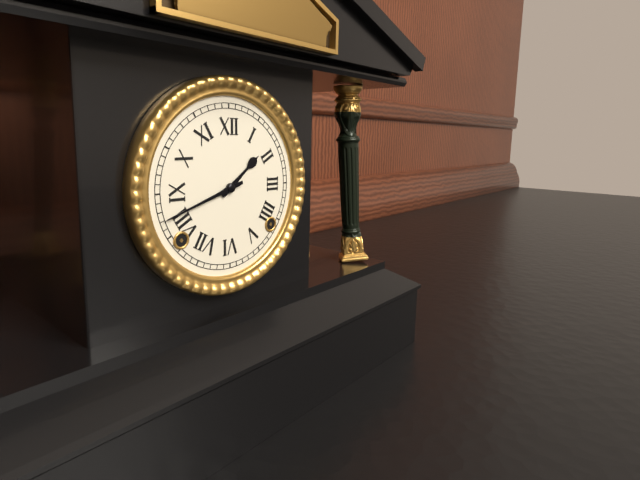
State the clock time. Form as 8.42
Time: 1.42
